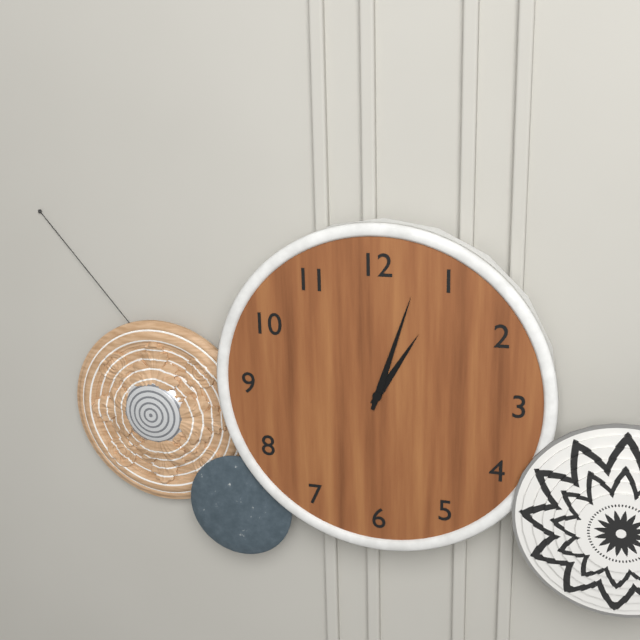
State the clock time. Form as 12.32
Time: 1.03
